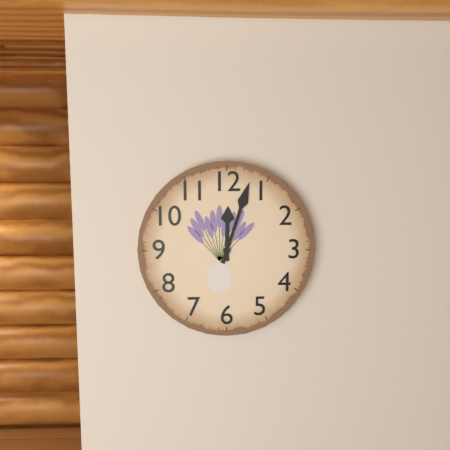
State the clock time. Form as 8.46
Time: 12.03
